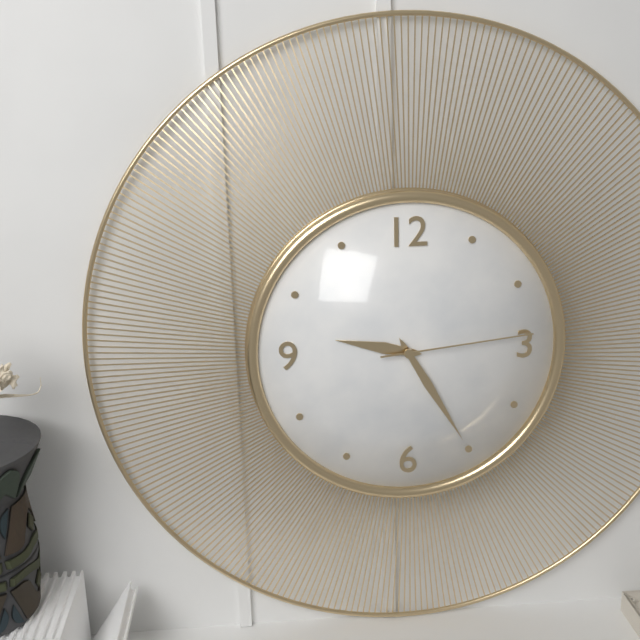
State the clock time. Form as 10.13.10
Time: 9.25.14
